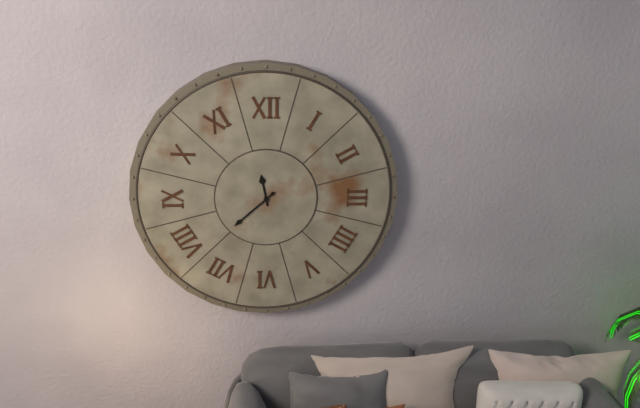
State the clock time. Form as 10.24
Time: 11.38
